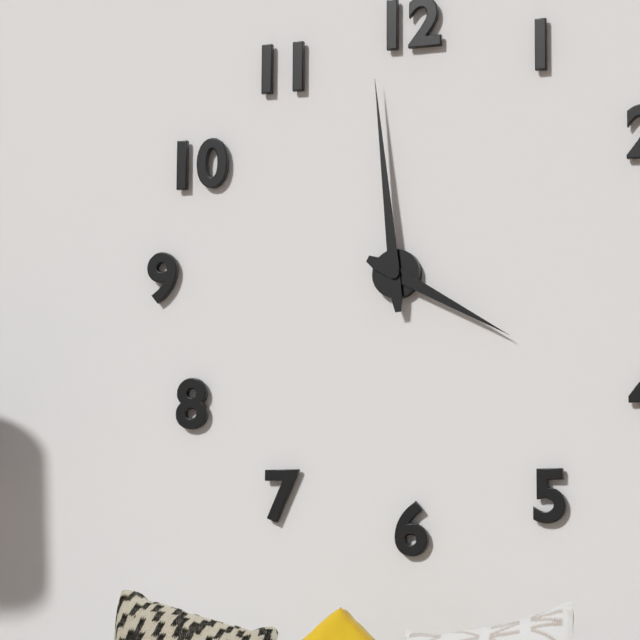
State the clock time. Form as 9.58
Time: 3.59
